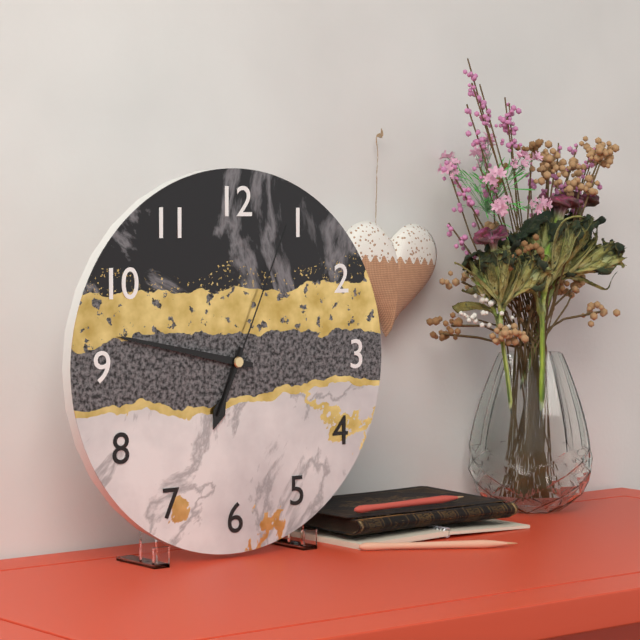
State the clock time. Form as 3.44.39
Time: 6.47.04
